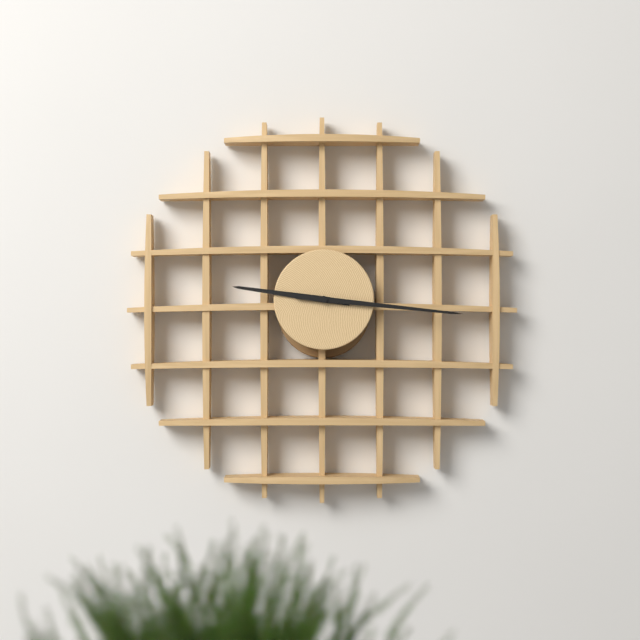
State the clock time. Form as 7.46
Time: 9.16
